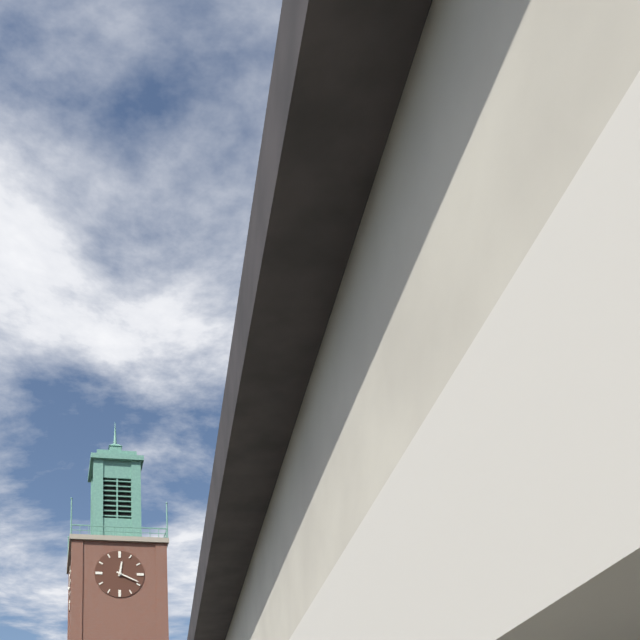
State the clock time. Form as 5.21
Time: 12.19
